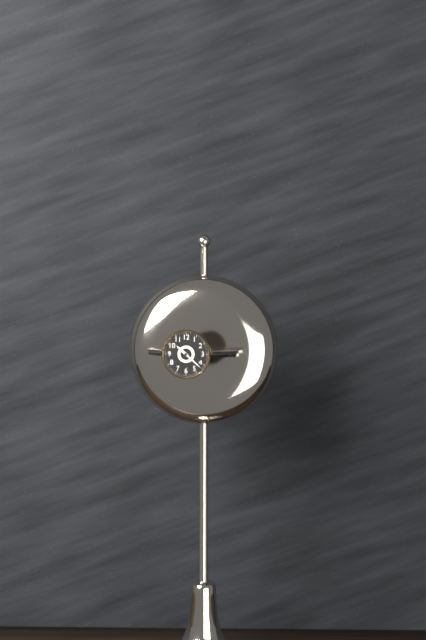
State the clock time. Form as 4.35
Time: 10.22
